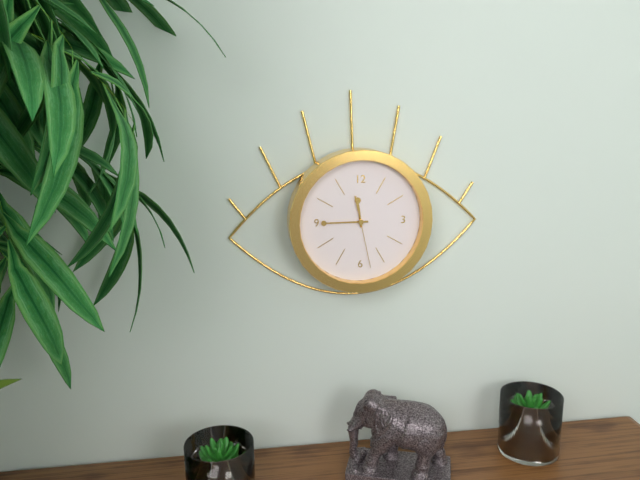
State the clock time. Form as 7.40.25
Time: 11.45.28
